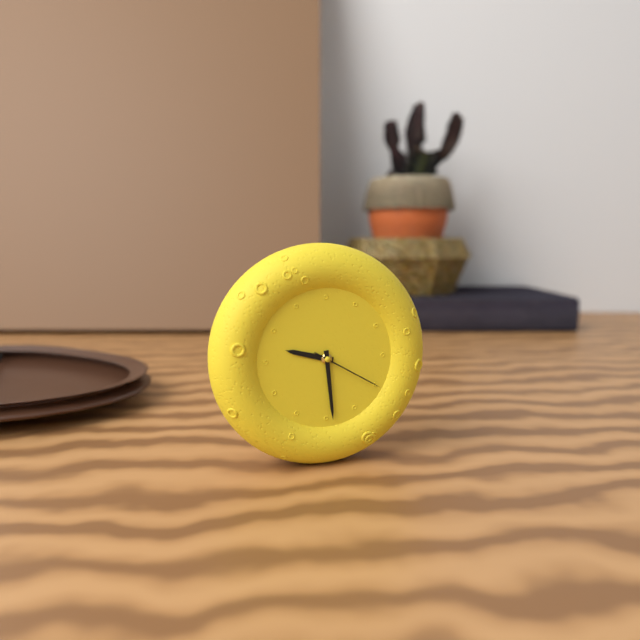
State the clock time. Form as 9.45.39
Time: 9.29.20
